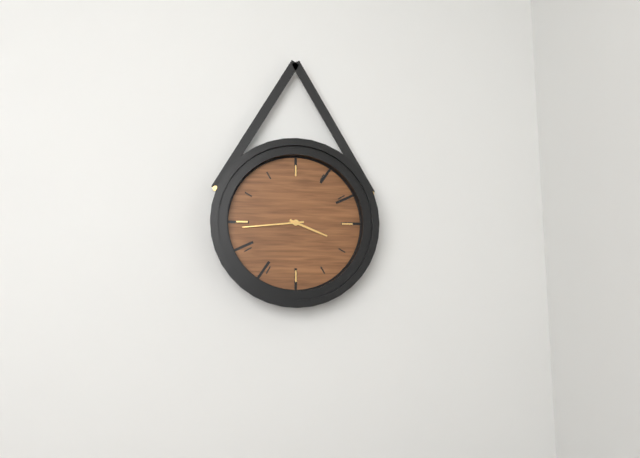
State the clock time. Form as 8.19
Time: 3.44
